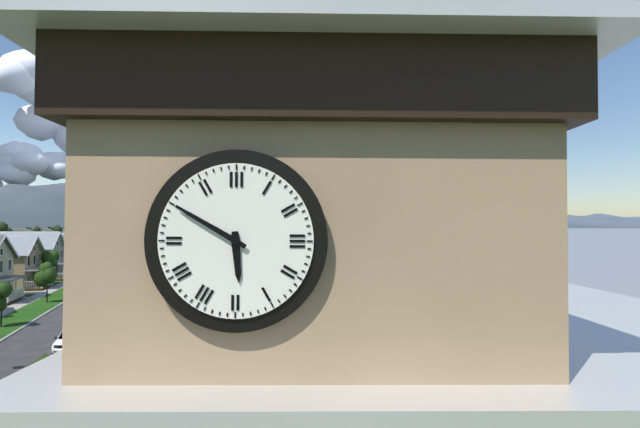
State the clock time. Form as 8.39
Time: 5.50
